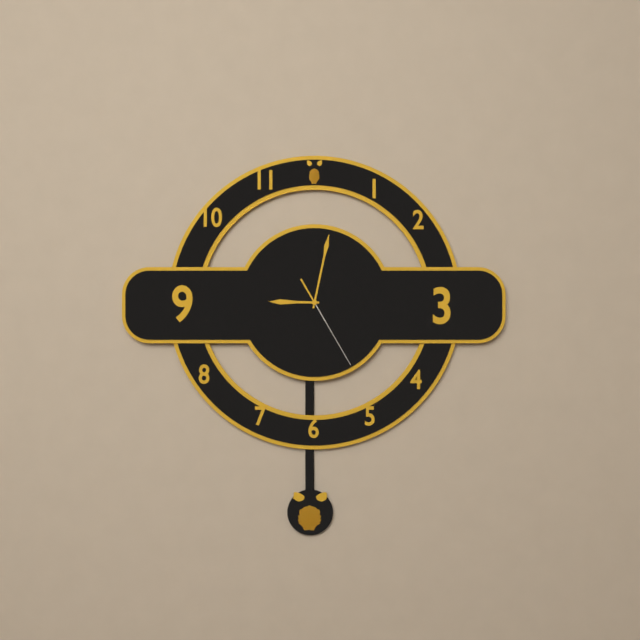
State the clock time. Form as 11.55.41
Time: 9.02.25
